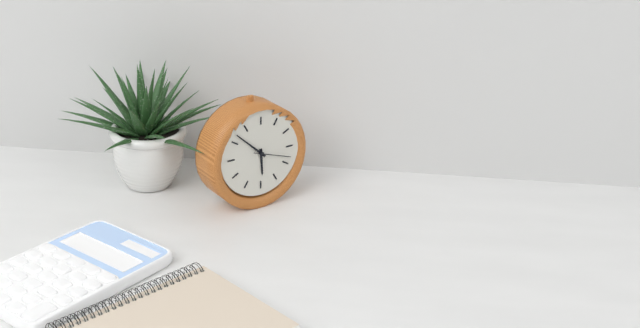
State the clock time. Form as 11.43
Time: 5.52
